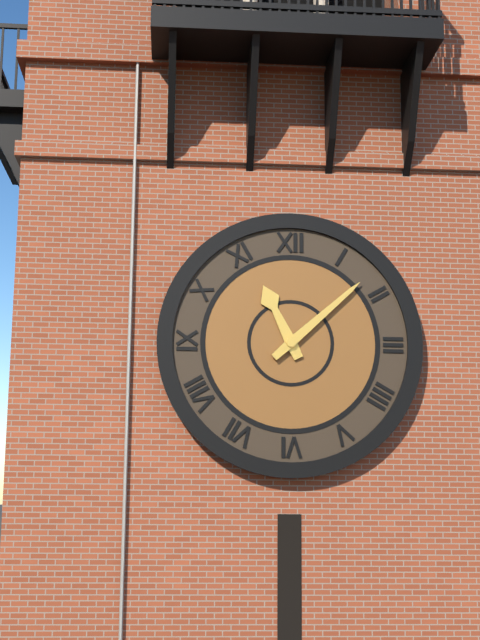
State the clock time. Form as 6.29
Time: 11.08
